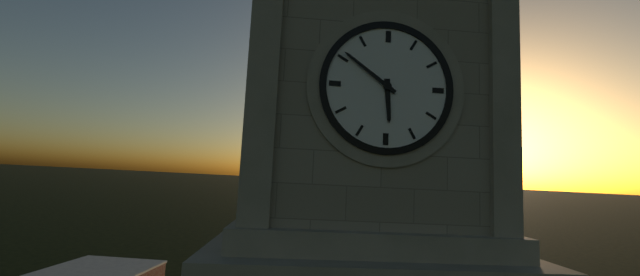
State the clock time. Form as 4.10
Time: 5.51
